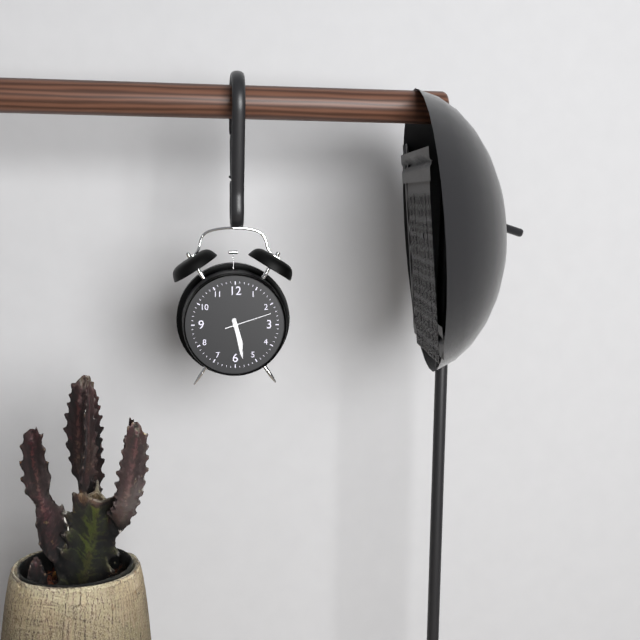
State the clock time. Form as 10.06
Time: 5.28
